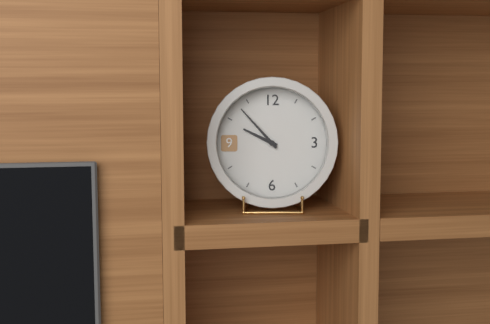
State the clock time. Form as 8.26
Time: 9.53
